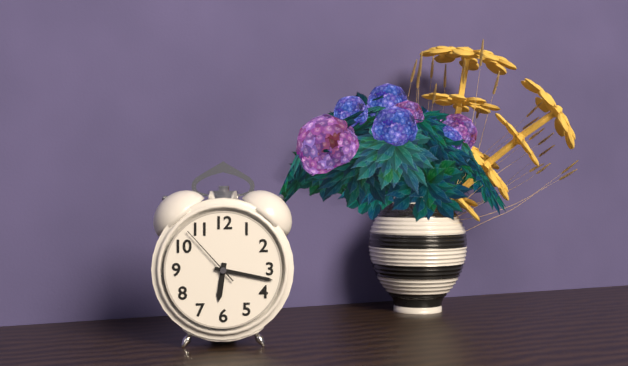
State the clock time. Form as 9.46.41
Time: 6.17.53
